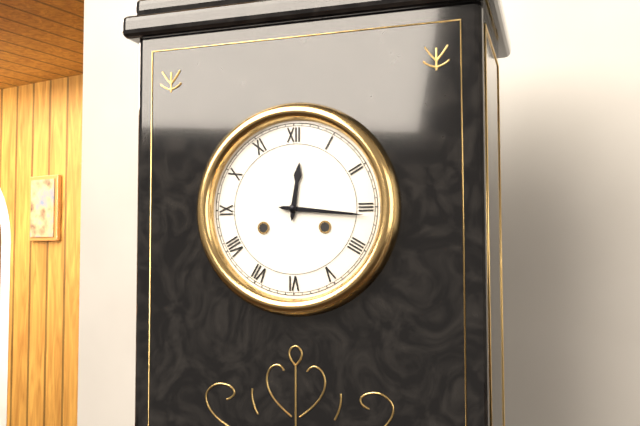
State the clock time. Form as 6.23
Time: 12.16
